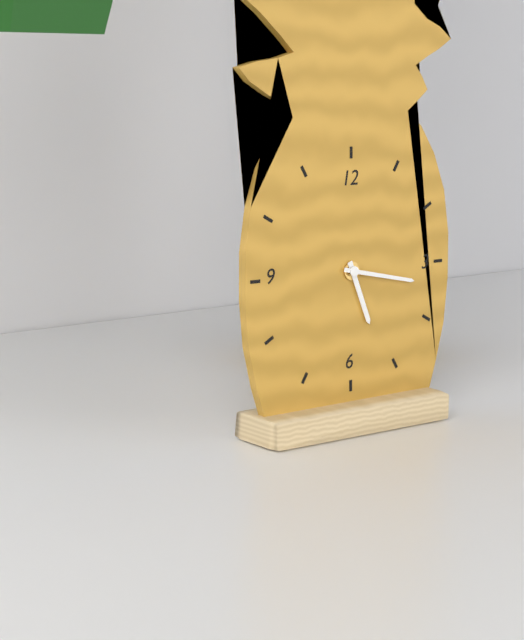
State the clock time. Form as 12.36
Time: 5.17
